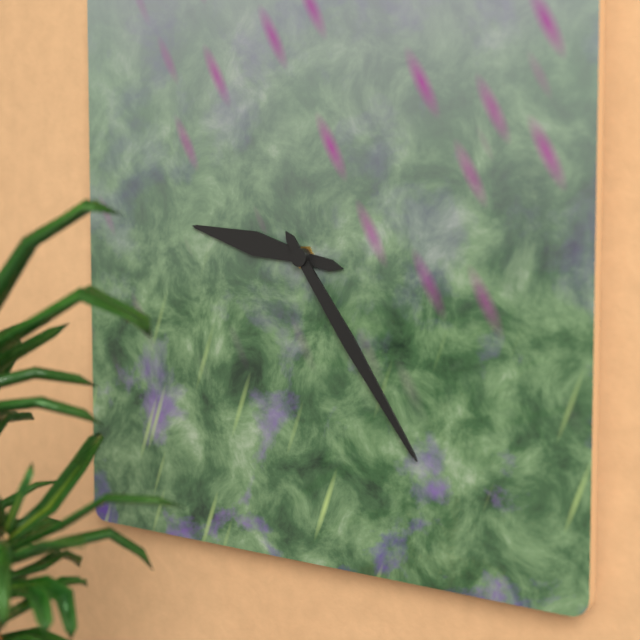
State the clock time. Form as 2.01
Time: 9.24
